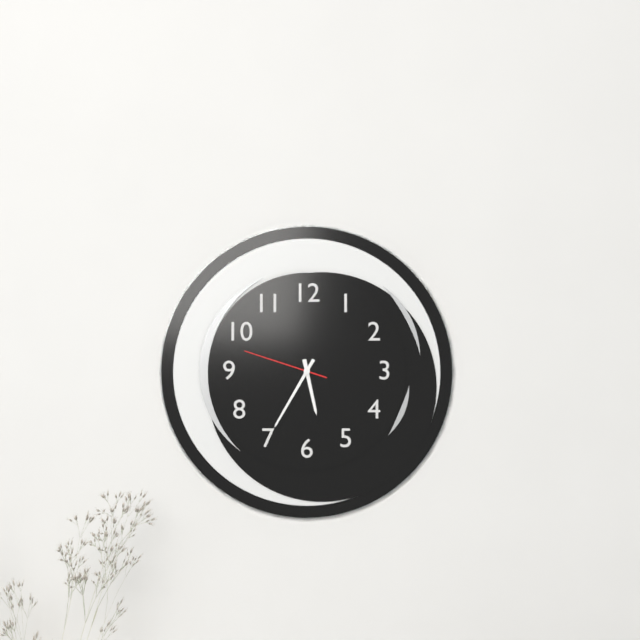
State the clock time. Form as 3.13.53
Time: 5.35.48
